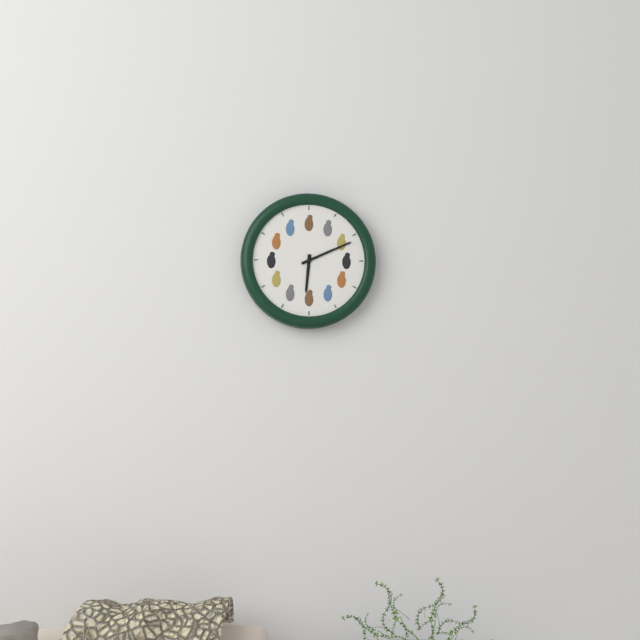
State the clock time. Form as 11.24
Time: 6.11
